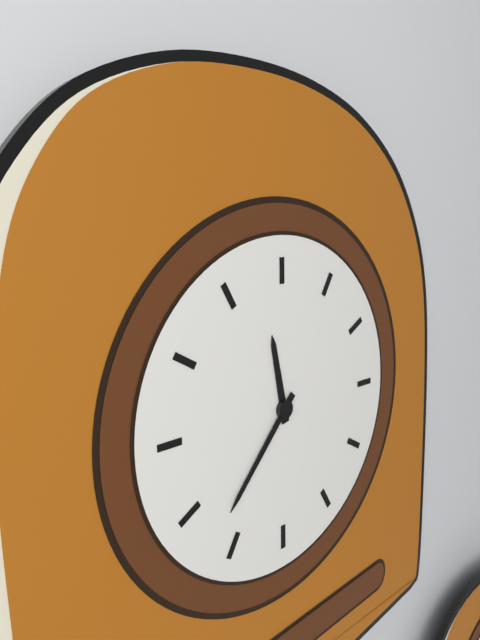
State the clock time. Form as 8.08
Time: 11.37
